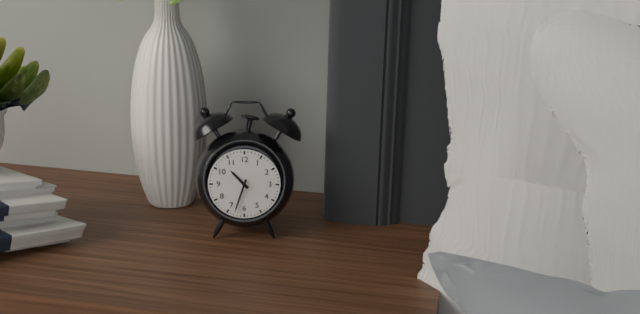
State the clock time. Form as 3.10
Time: 10.33
